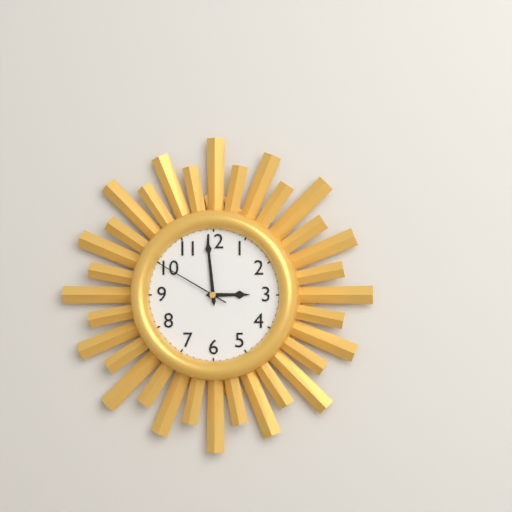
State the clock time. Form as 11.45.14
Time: 2.59.50
